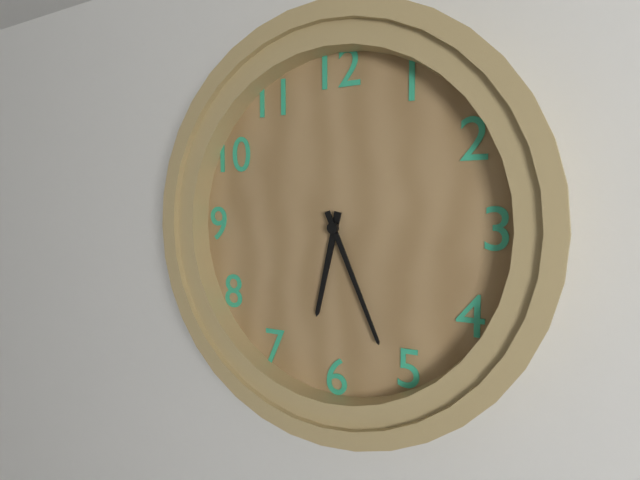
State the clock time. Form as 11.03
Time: 6.26
